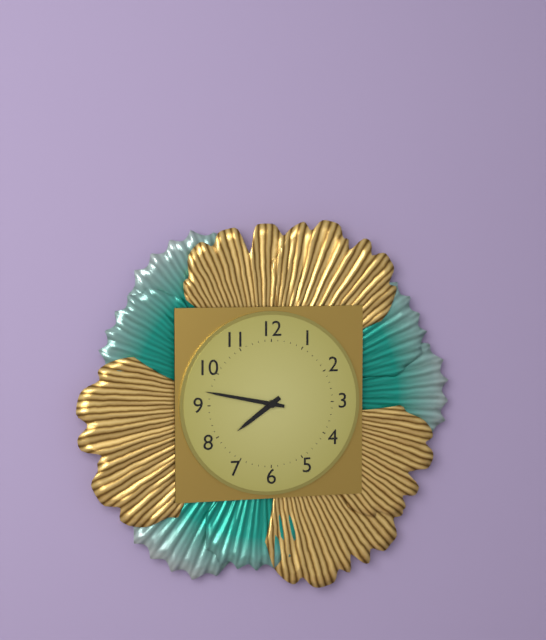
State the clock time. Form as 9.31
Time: 7.47
